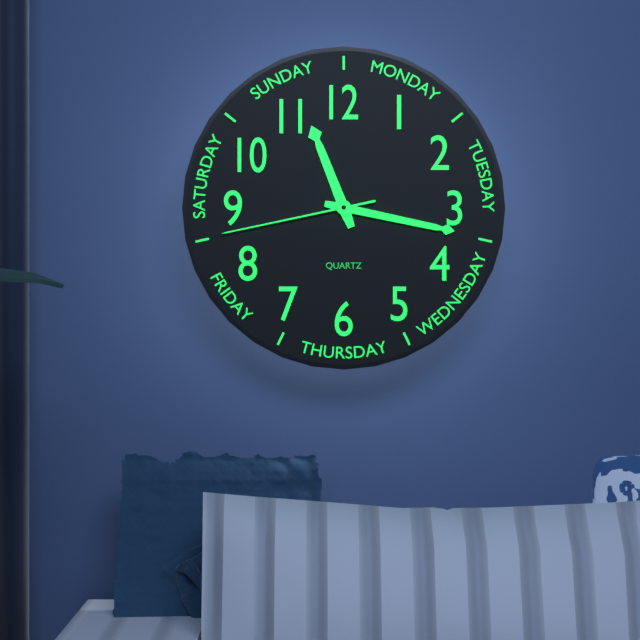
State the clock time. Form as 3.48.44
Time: 11.17.43
